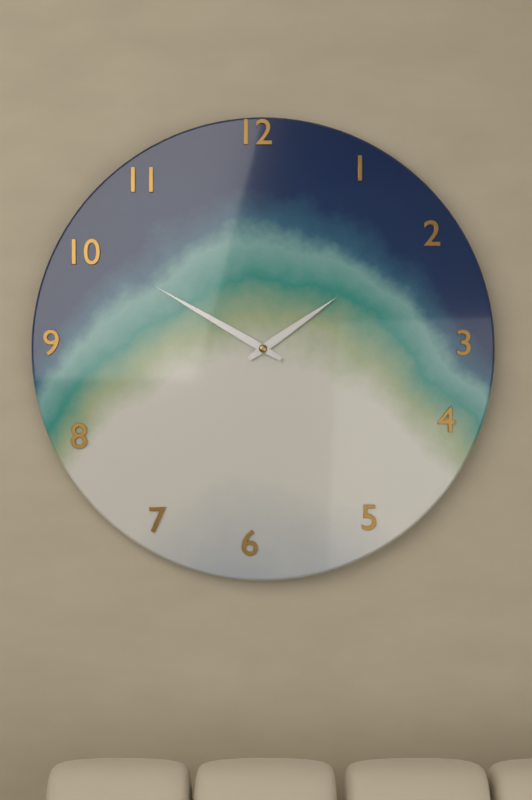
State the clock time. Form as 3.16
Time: 1.50
